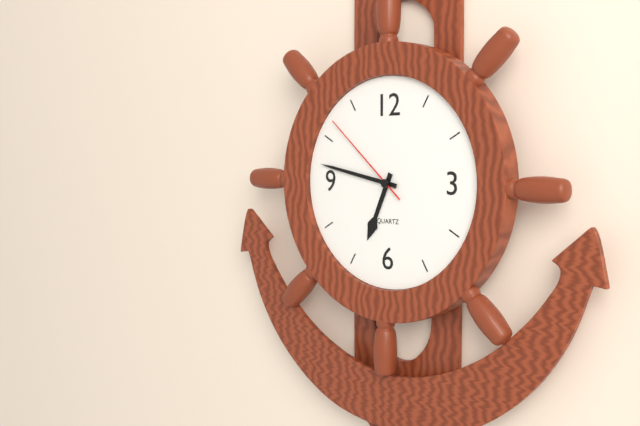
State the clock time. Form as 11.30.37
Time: 6.47.52
